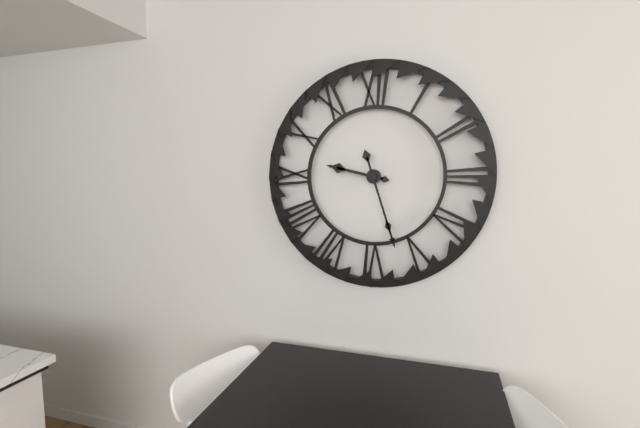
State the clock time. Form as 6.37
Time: 9.27
